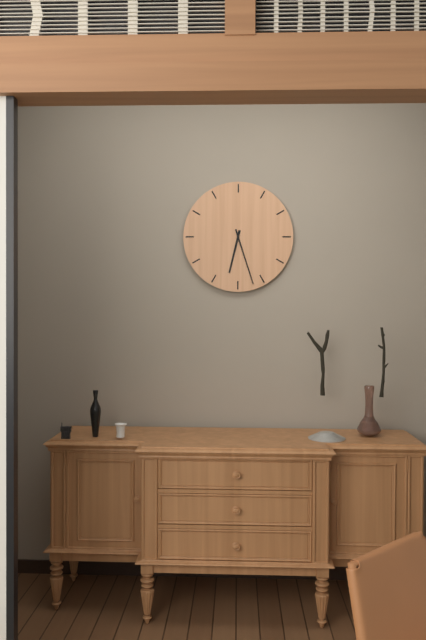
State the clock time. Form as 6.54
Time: 6.27
